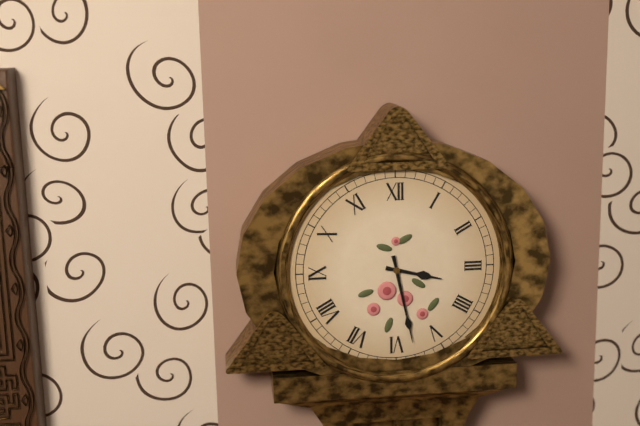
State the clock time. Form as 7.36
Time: 3.28
